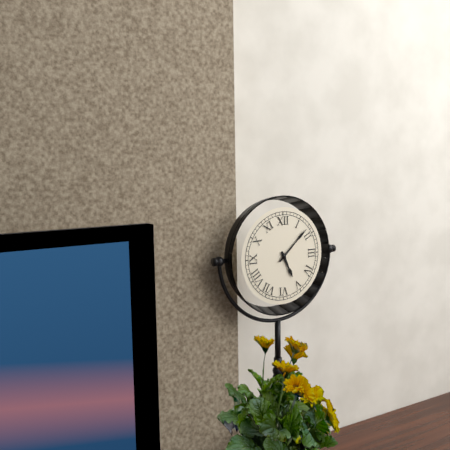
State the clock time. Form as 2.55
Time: 5.08
